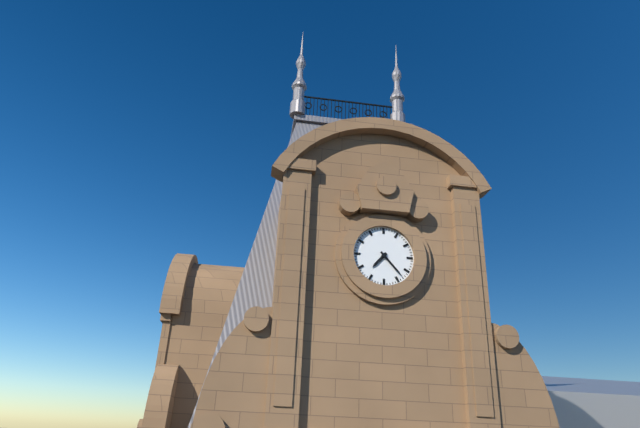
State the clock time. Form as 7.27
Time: 7.23
